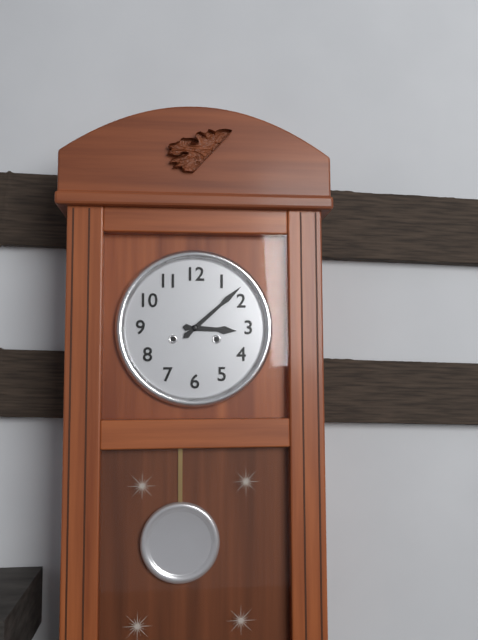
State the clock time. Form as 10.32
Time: 3.08
